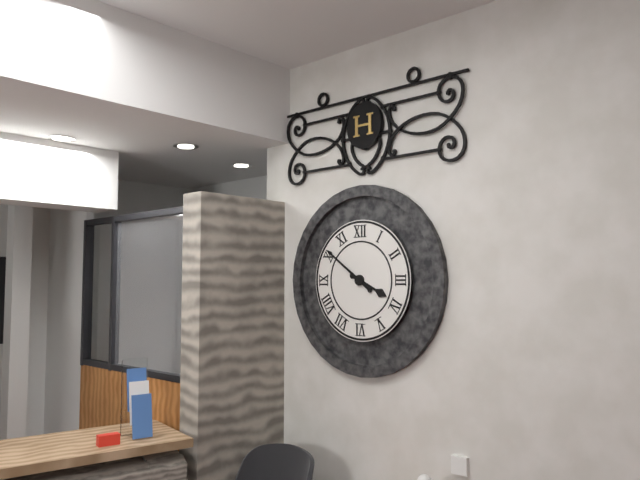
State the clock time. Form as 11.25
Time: 3.51
